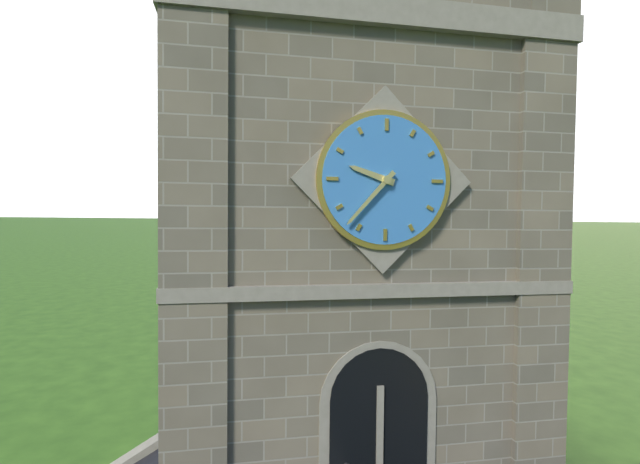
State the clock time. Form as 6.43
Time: 9.37
